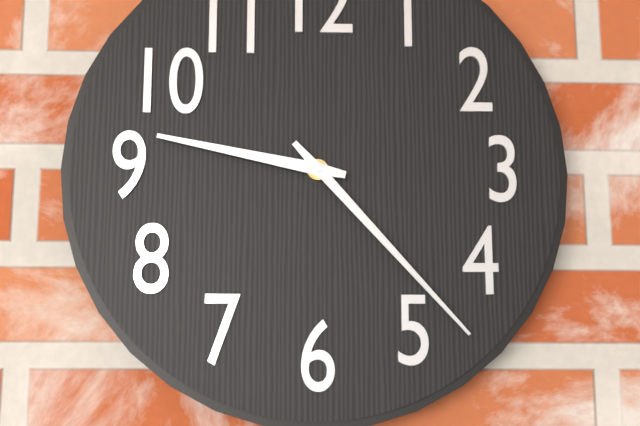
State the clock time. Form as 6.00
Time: 9.23
